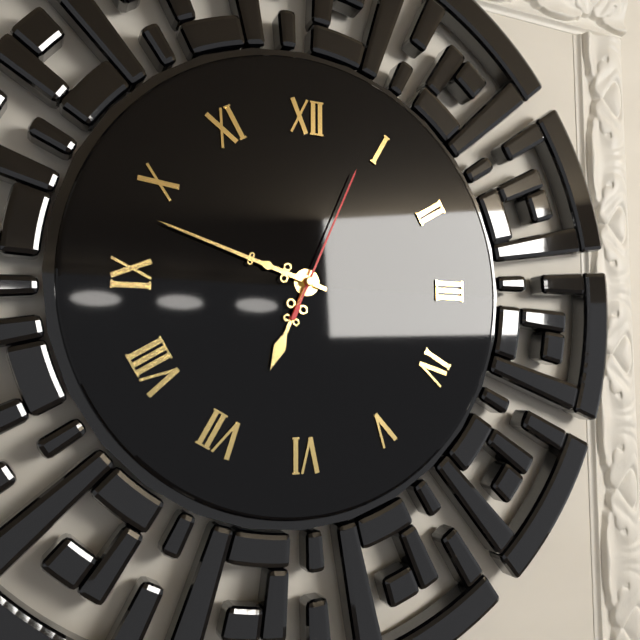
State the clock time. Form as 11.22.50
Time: 6.48.04
